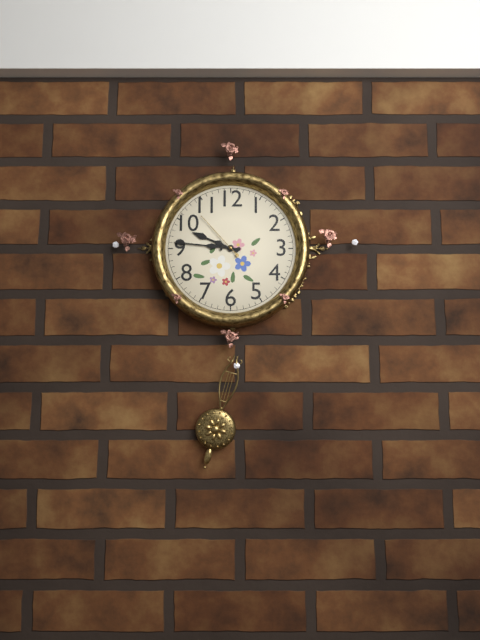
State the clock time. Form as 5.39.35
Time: 9.46.53
